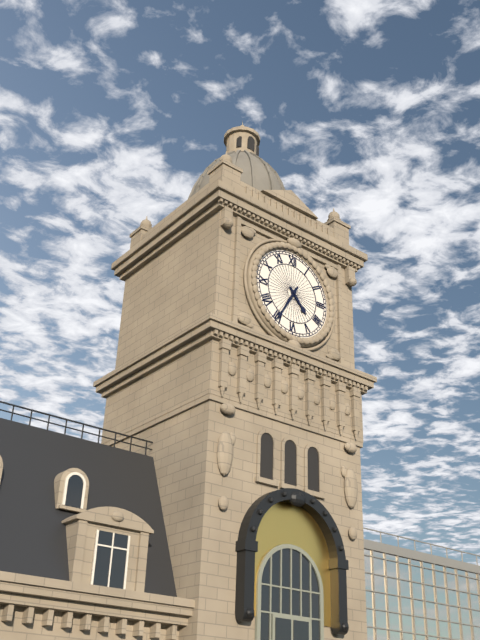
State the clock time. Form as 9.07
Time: 4.35
